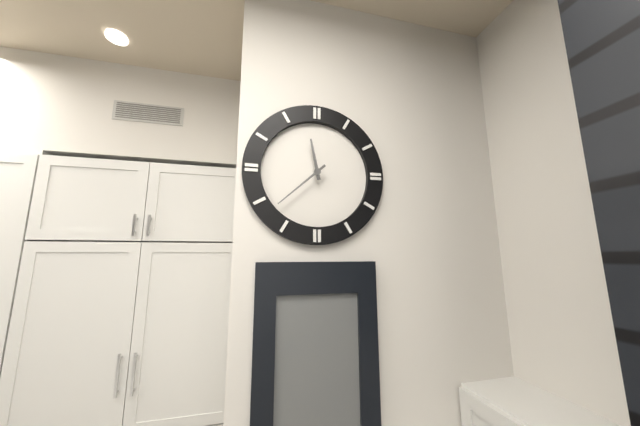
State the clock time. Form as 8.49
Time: 11.38
